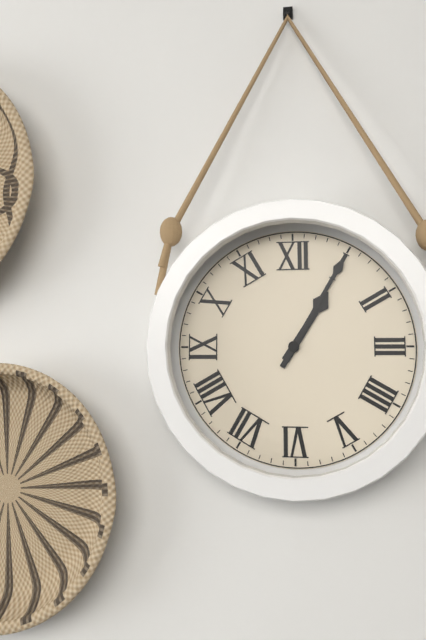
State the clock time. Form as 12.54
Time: 1.05
